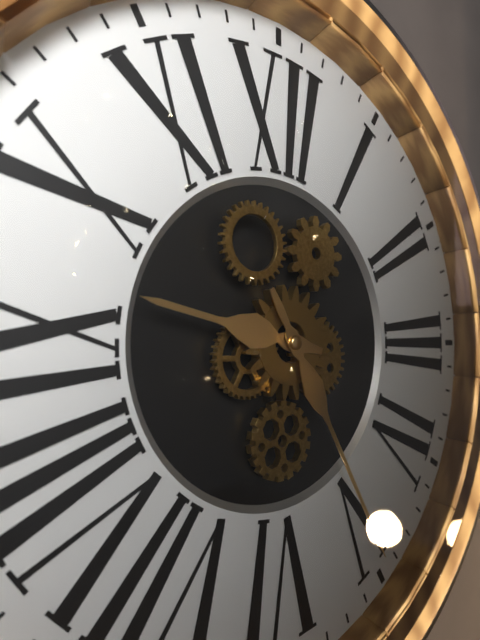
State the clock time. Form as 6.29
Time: 9.25
